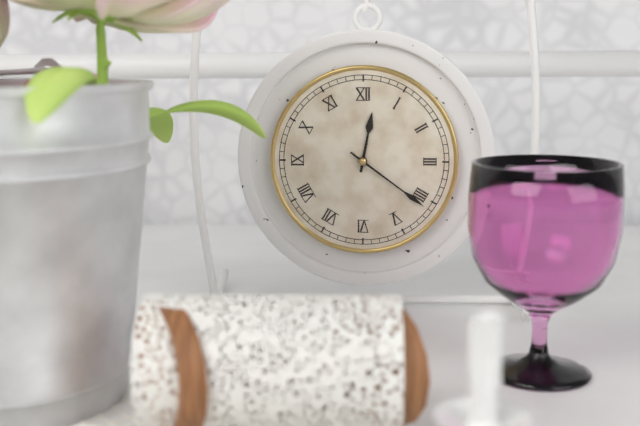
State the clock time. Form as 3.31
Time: 12.21
